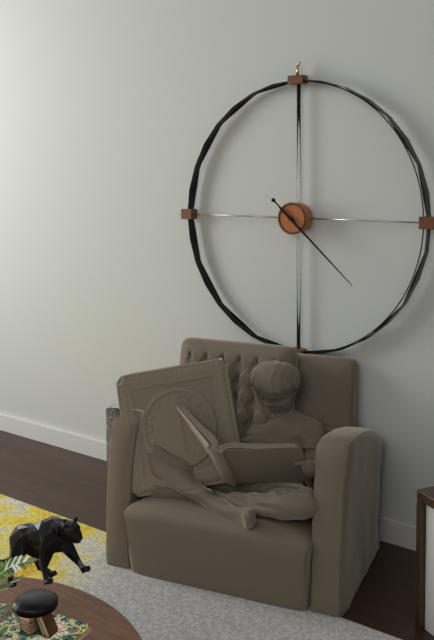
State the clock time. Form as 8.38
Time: 10.22
